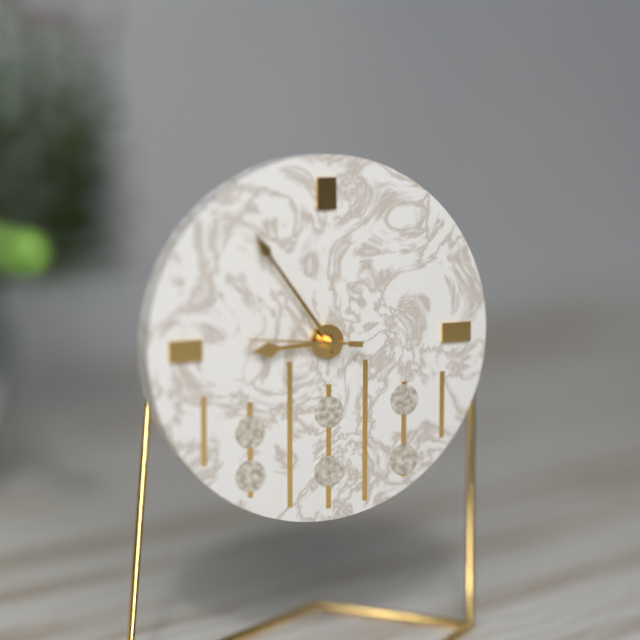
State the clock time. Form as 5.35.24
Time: 8.54.46
